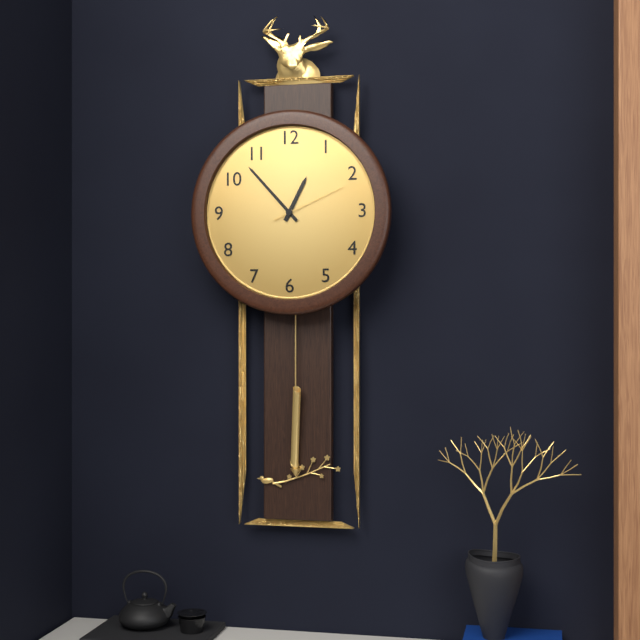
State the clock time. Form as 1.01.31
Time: 12.53.11
